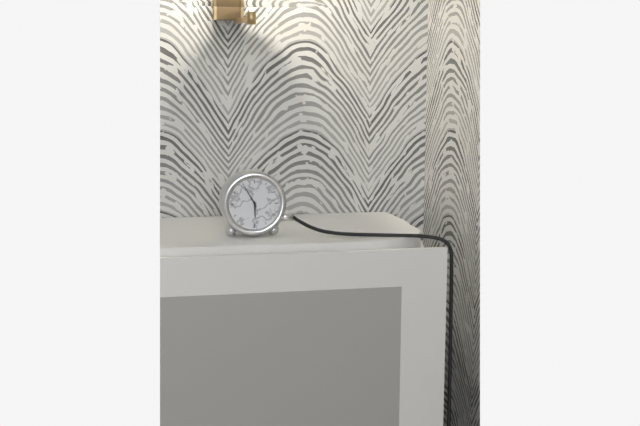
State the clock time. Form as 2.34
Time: 5.55
